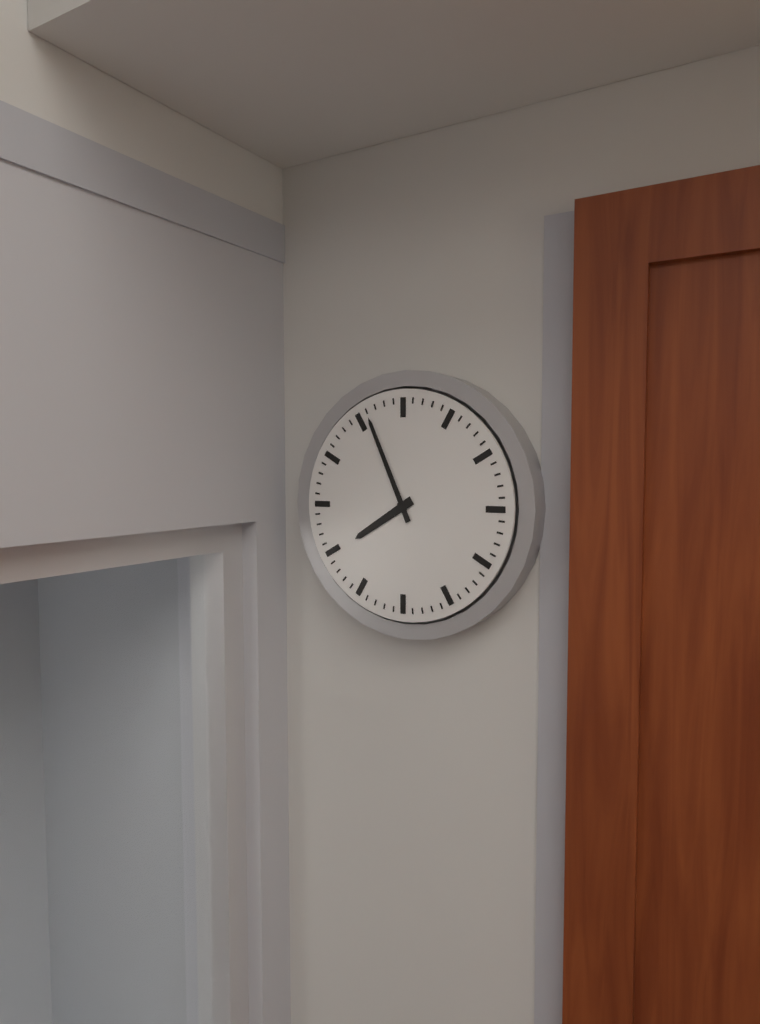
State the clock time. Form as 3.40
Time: 7.56
